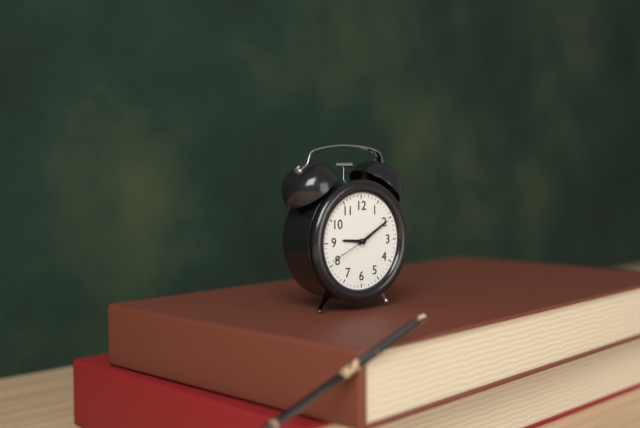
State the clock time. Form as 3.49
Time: 9.10
